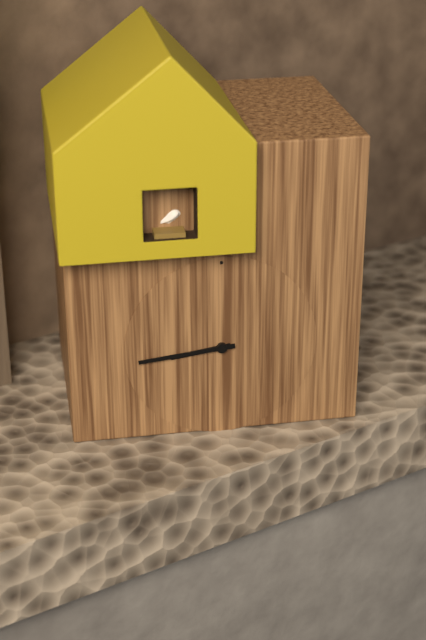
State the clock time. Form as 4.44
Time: 8.44
